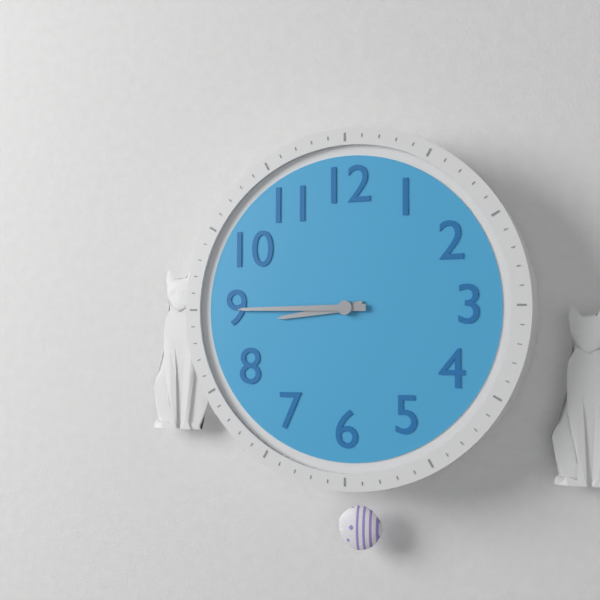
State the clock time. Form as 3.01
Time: 8.45
